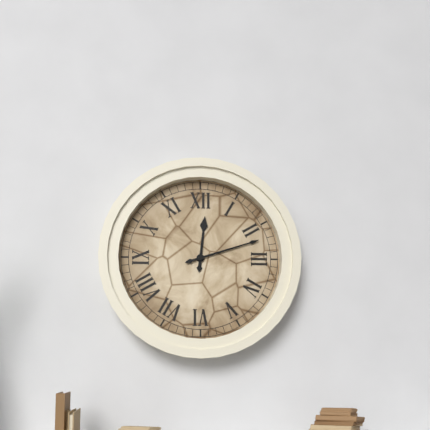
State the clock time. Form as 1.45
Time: 12.12
